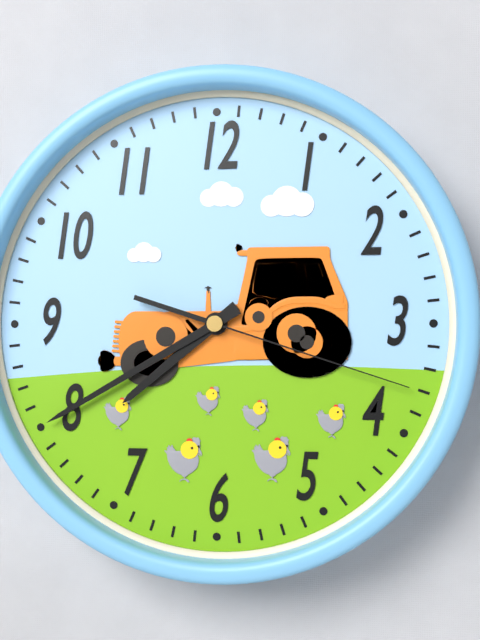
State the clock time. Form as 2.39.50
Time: 7.40.18
